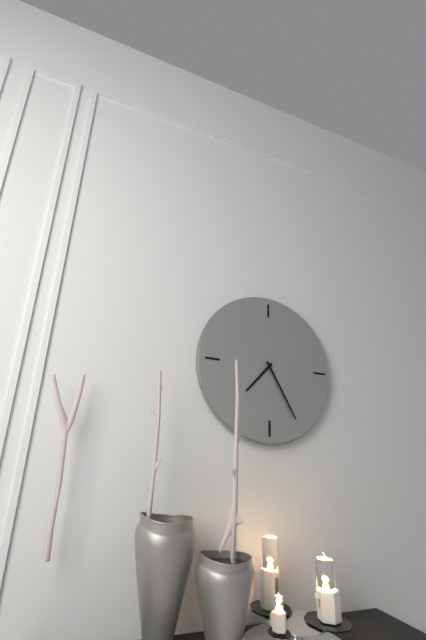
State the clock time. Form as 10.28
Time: 7.25
